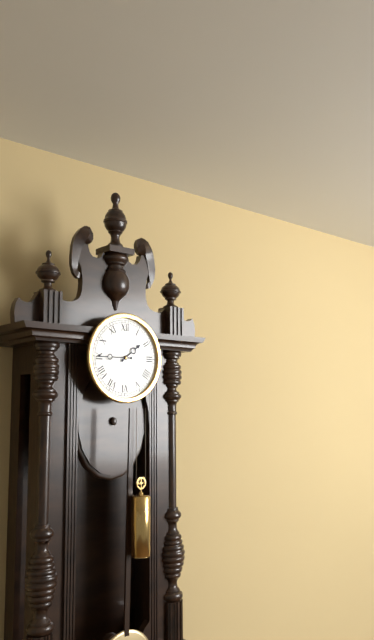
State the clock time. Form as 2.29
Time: 1.45
